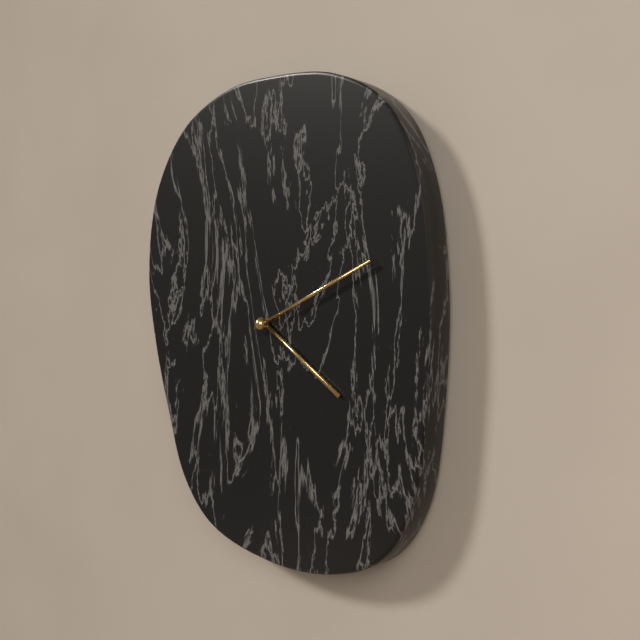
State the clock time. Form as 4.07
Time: 4.11
